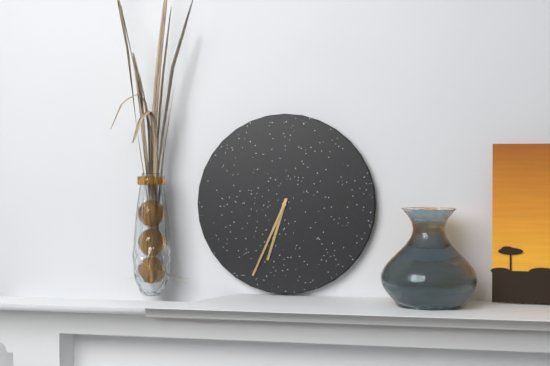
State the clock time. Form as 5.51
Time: 6.34
